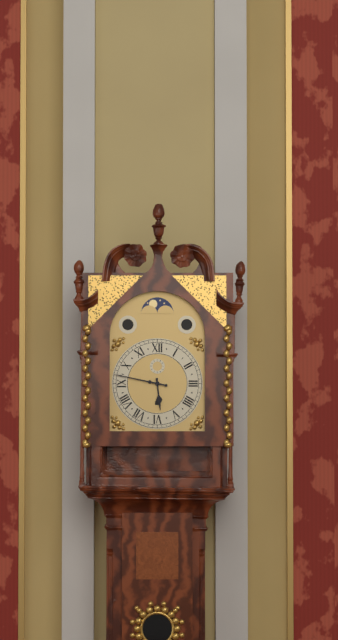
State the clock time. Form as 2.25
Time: 5.47
